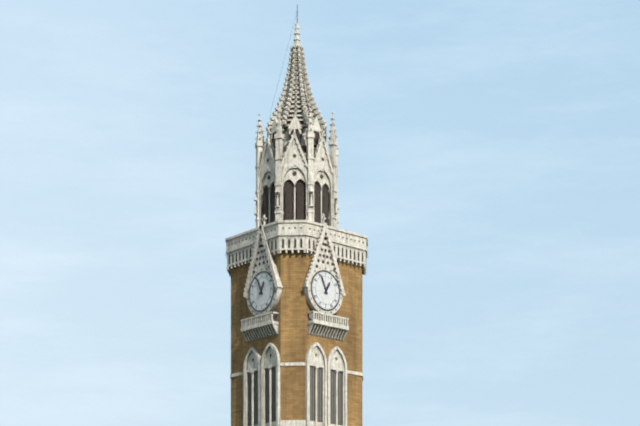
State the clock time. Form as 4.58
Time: 12.56
